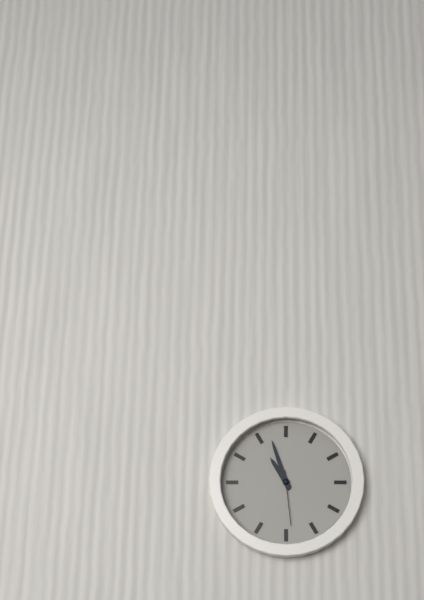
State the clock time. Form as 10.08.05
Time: 10.57.29
